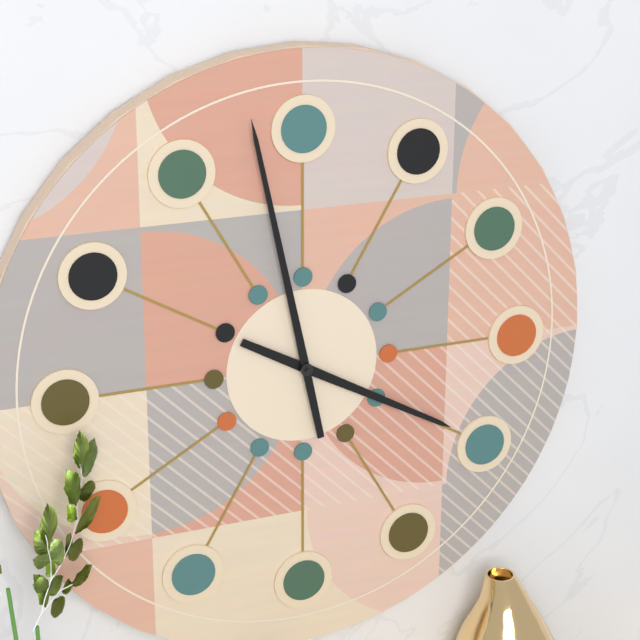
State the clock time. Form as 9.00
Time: 3.58
